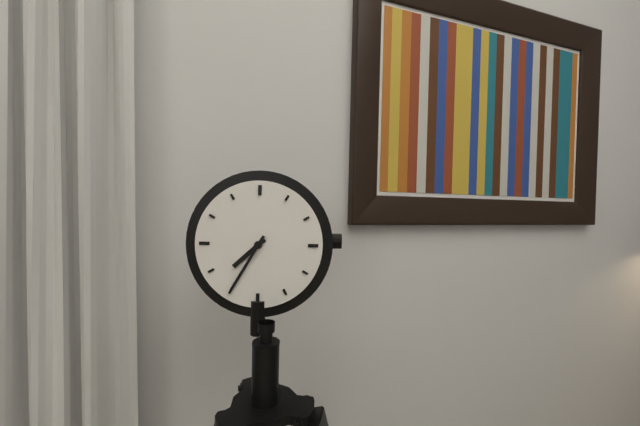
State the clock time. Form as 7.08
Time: 7.35
